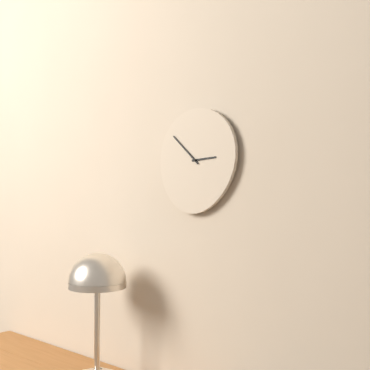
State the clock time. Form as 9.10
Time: 2.52
